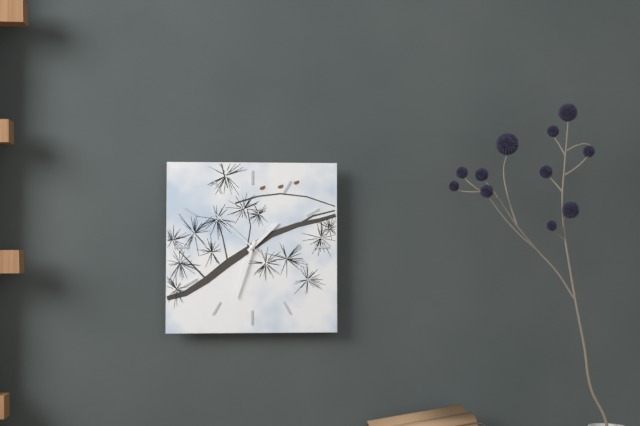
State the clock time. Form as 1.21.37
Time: 1.33.52
